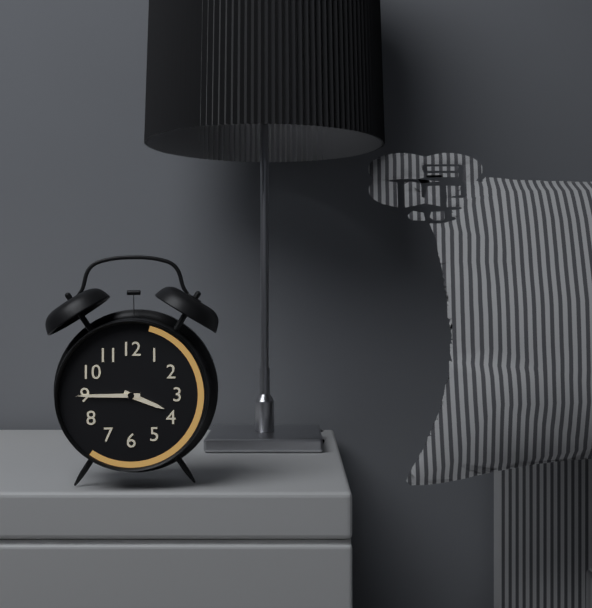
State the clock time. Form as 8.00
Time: 3.45
